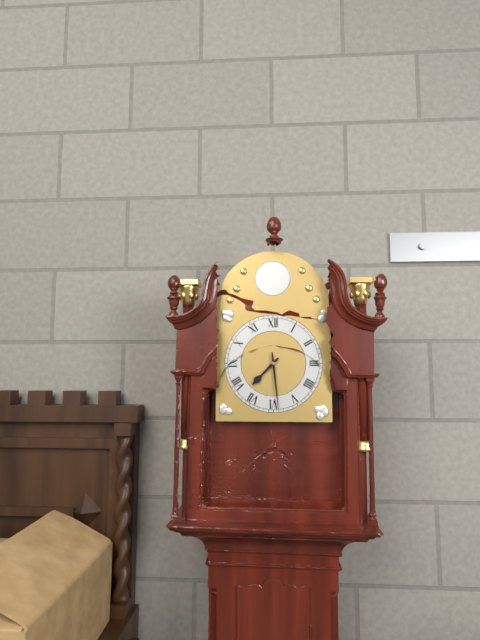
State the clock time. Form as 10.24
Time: 7.29
